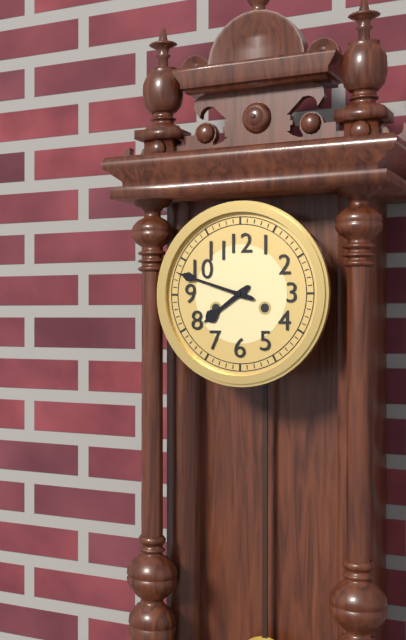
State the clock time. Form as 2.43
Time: 7.48
